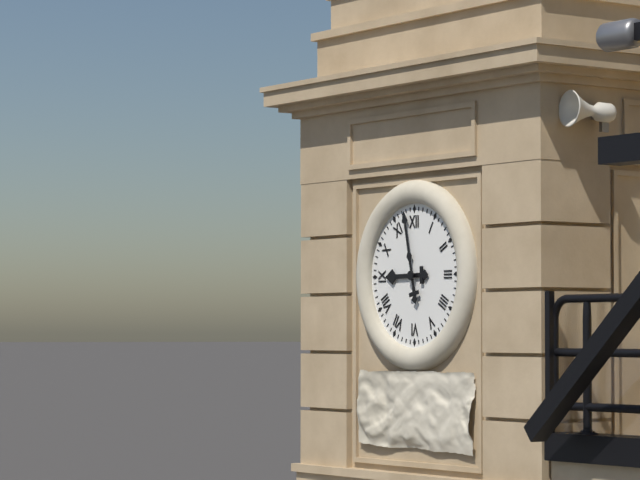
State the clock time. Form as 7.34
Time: 8.58
